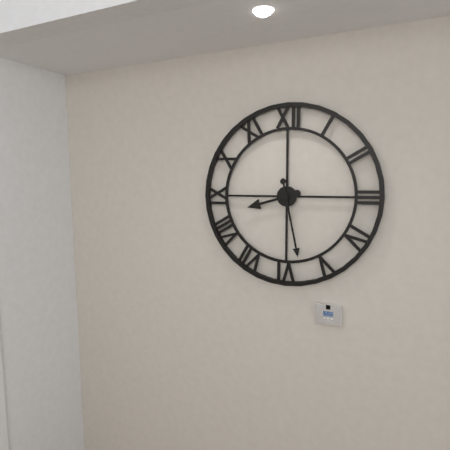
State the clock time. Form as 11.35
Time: 8.28
